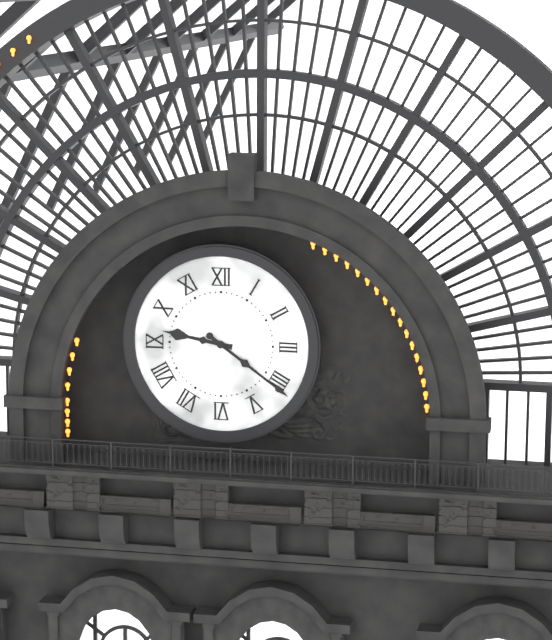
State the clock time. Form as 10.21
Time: 9.21
